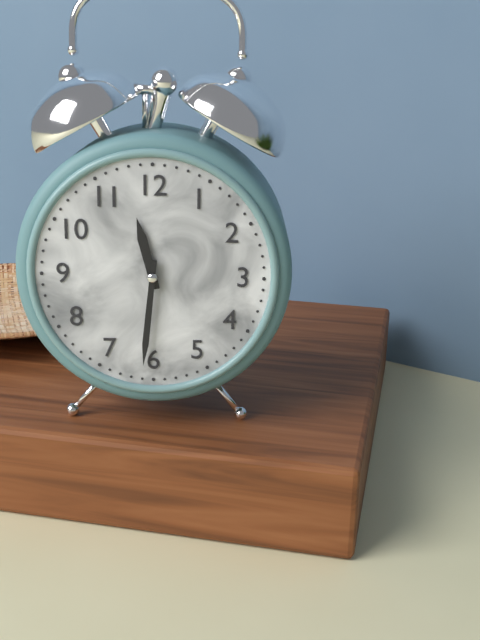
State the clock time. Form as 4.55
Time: 11.31
